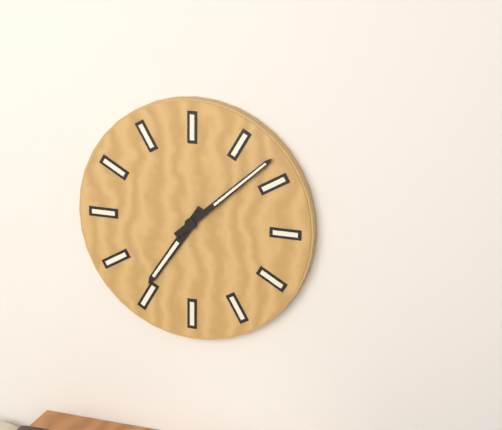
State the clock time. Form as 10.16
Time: 7.08
